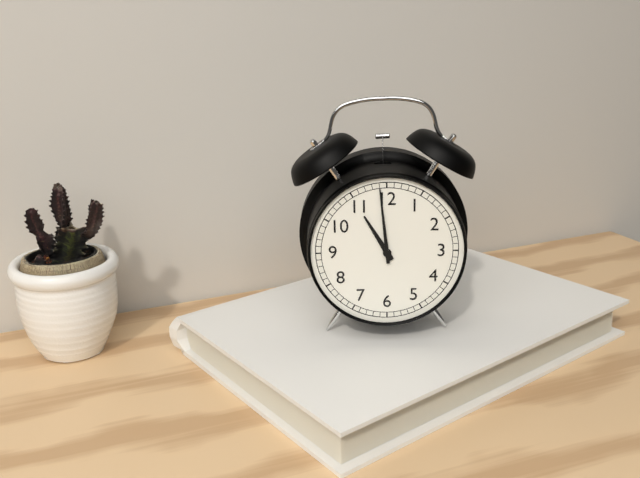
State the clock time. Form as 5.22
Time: 10.59
